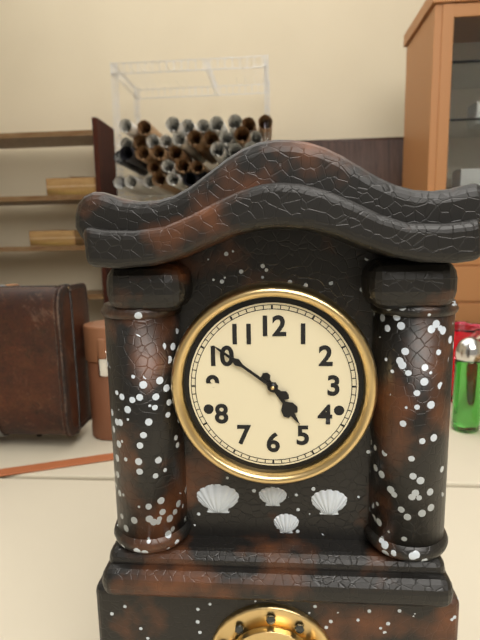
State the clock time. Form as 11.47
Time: 4.51
